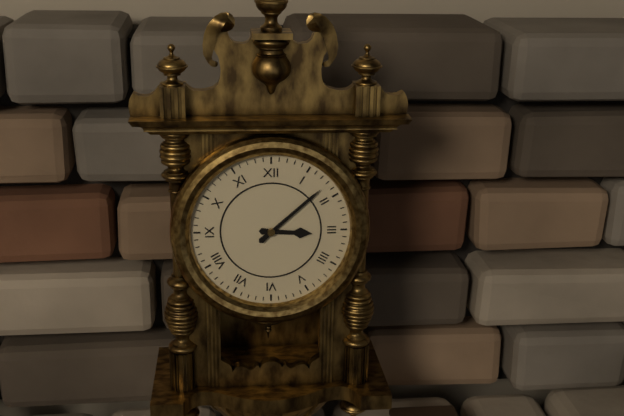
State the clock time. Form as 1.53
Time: 3.08
